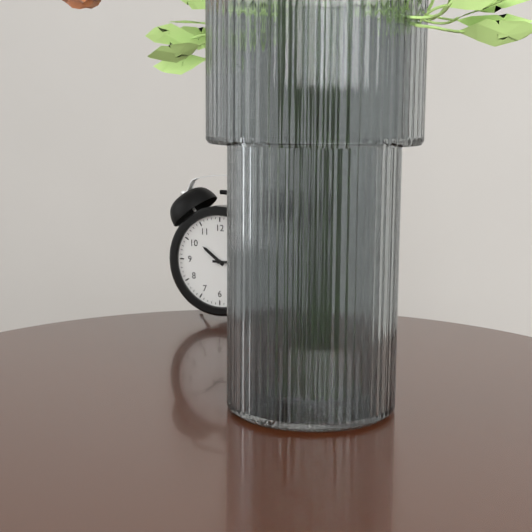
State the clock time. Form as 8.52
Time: 10.15
